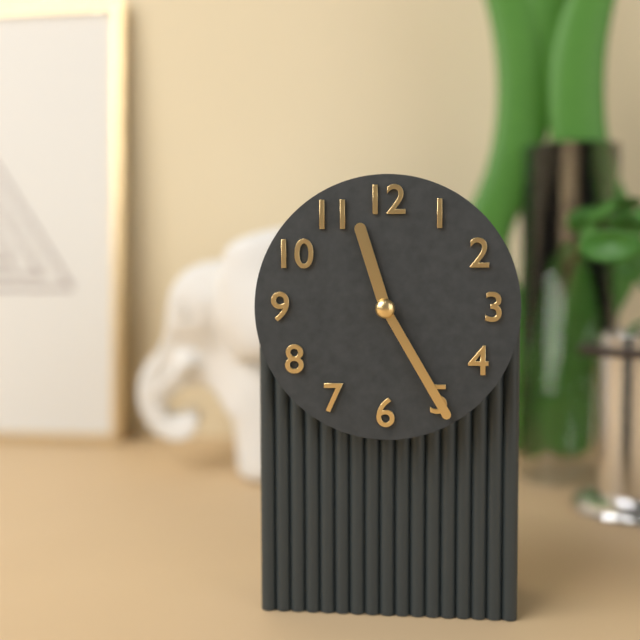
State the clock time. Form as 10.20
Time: 11.25
